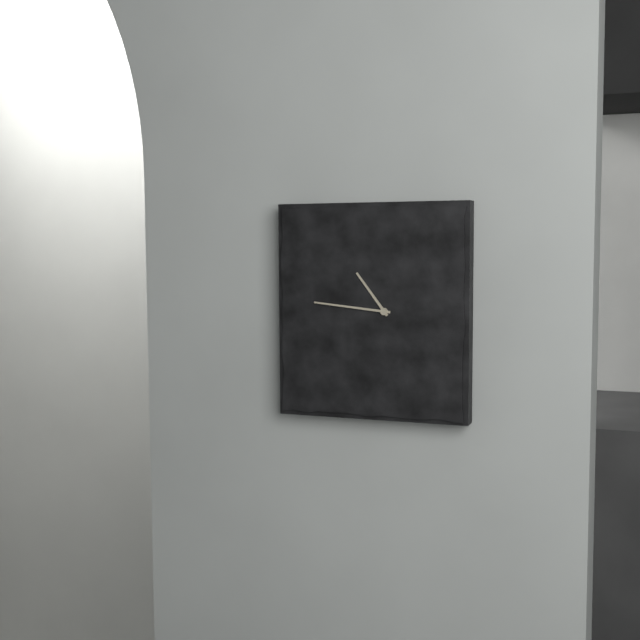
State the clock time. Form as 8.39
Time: 10.46
